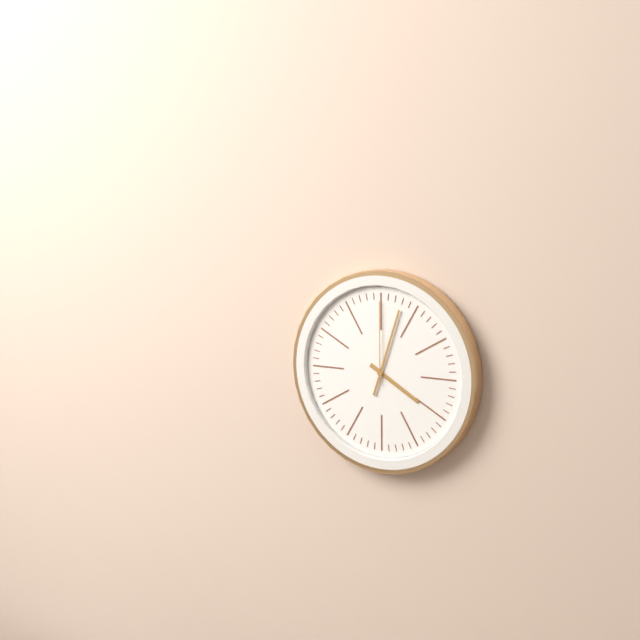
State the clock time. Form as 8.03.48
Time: 4.03.00
